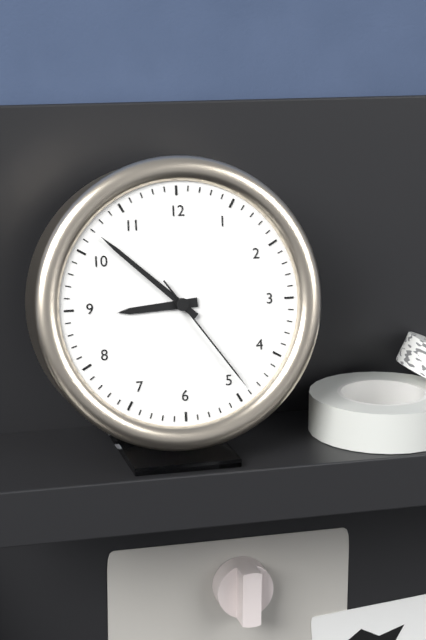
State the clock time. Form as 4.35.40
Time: 8.52.24
